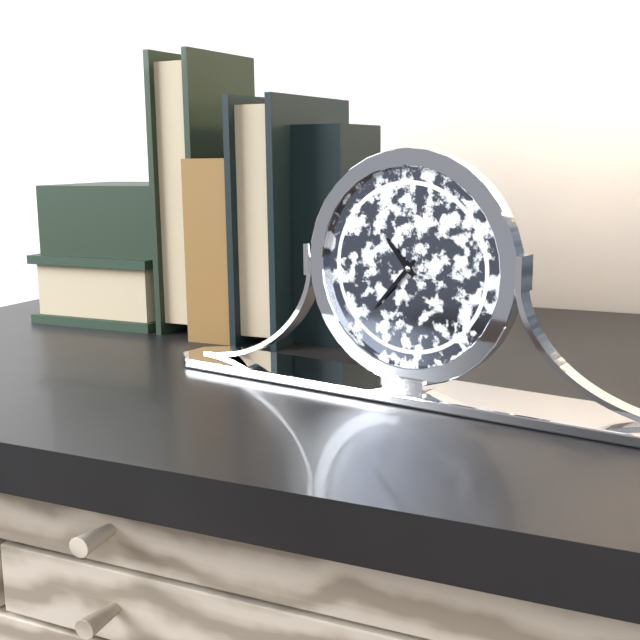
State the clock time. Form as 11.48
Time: 10.37
